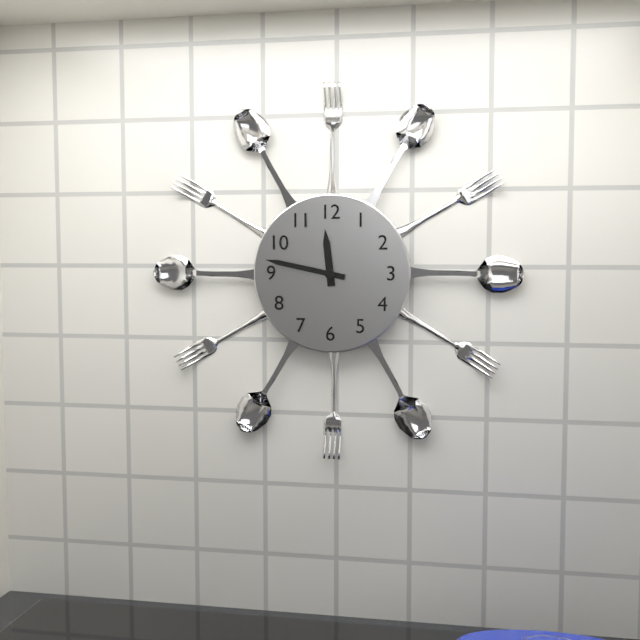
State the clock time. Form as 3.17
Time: 11.47
